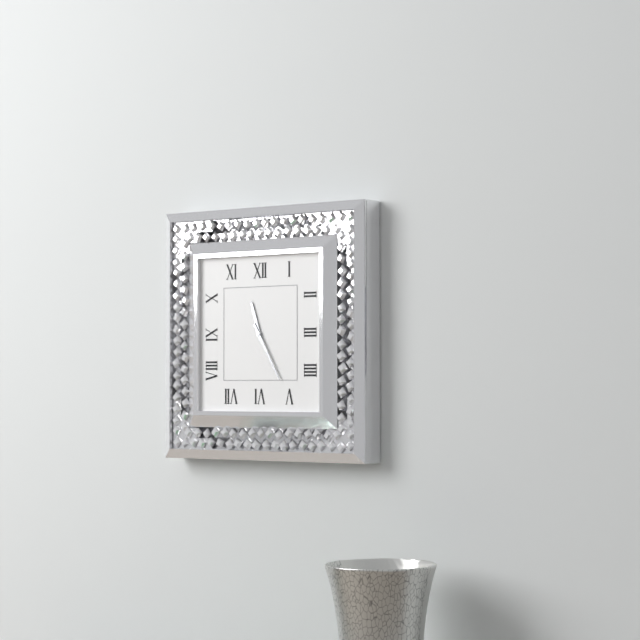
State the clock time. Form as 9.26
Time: 11.25
